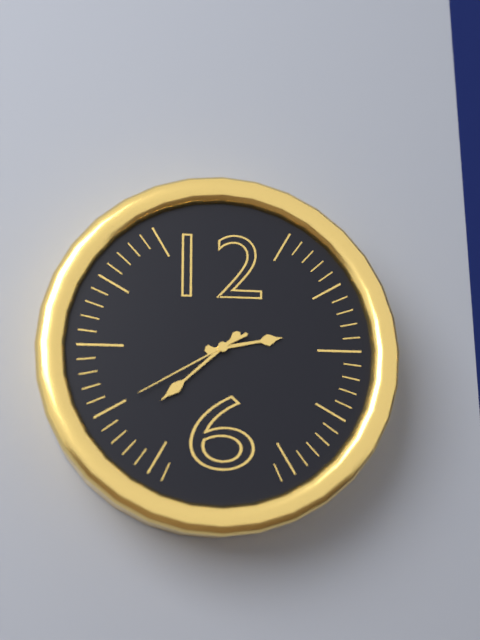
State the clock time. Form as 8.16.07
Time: 2.38.40
